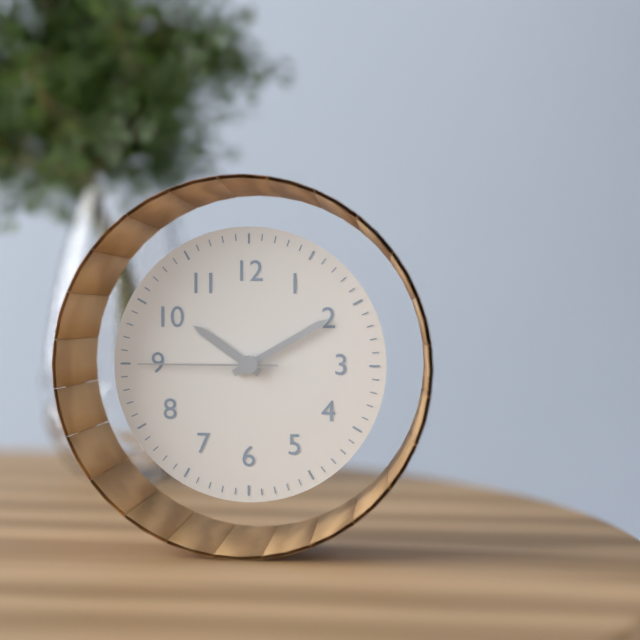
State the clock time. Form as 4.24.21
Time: 10.10.45
